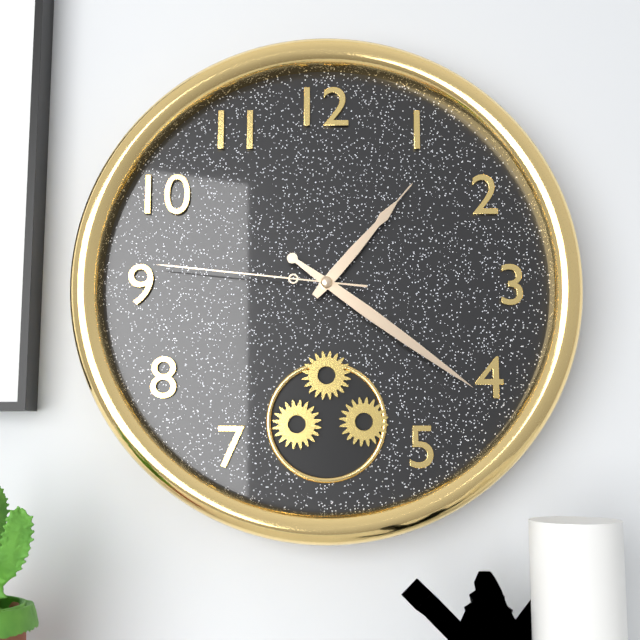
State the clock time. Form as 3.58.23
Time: 1.21.46
